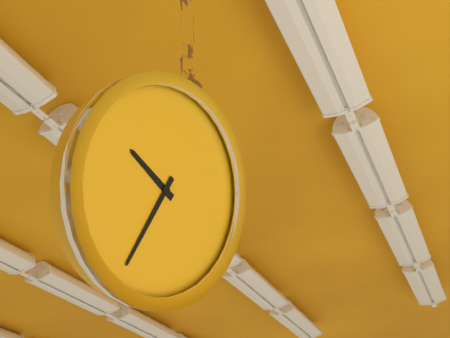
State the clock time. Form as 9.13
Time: 9.32
